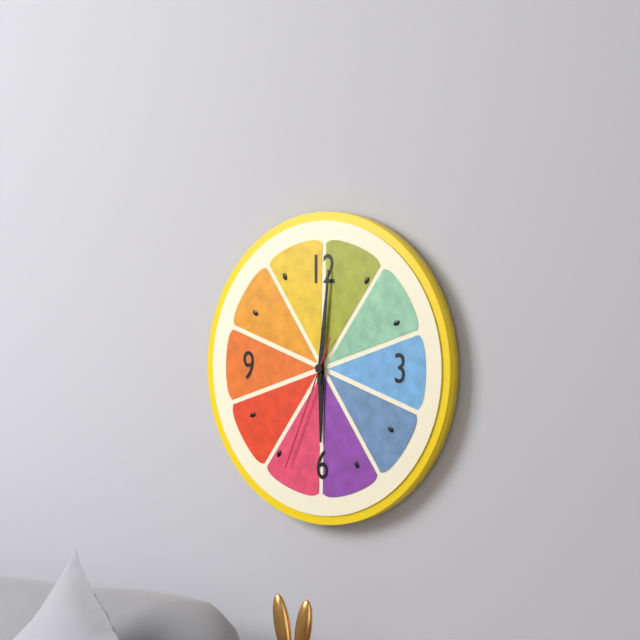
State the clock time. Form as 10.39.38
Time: 6.01.34
